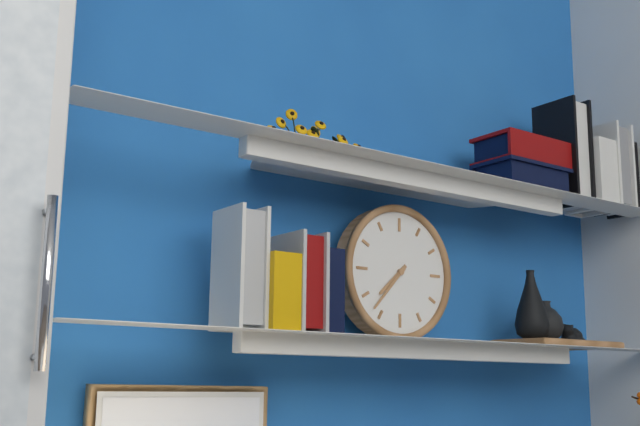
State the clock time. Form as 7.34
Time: 7.37
